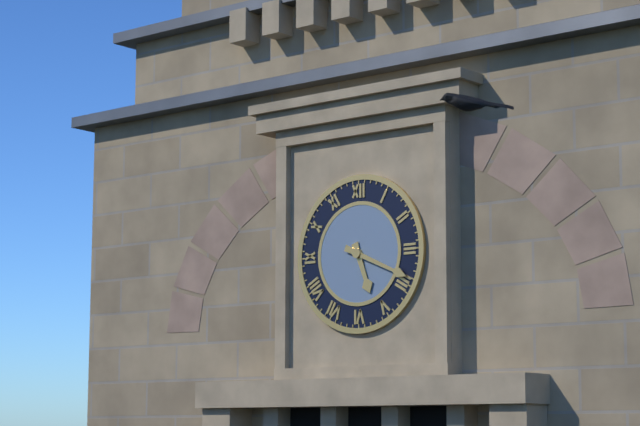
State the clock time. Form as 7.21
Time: 5.19
